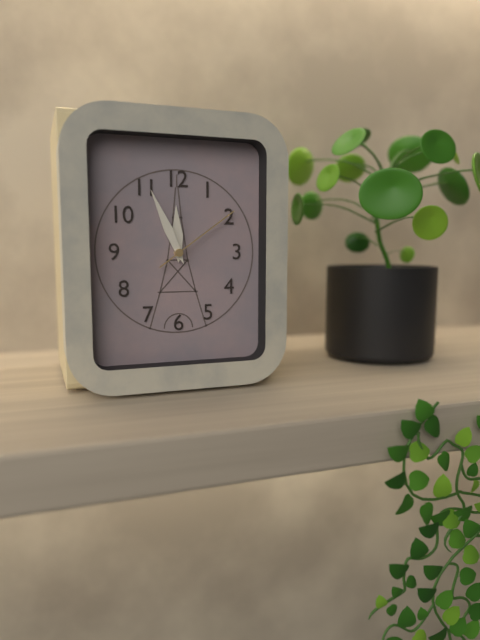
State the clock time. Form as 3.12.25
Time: 11.56.09
